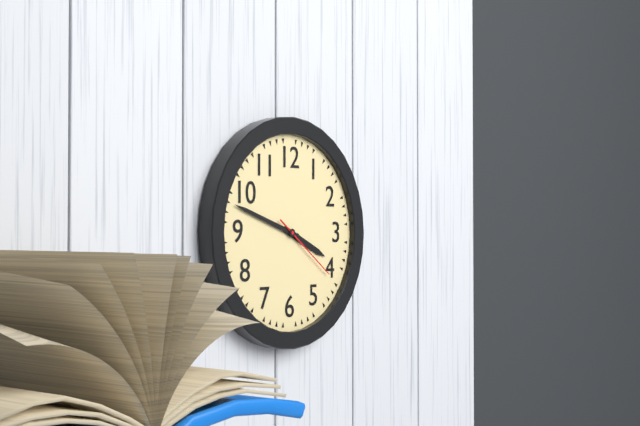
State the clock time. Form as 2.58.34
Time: 3.48.21
